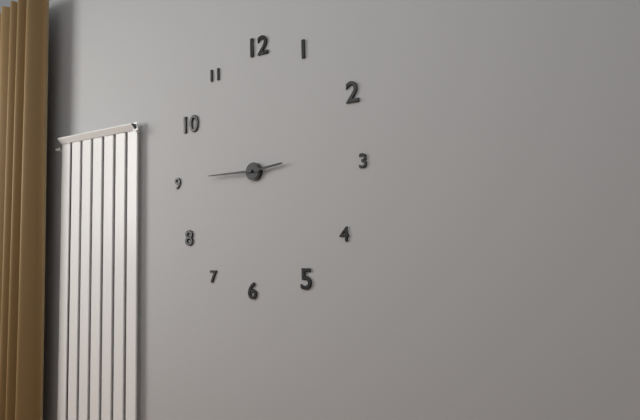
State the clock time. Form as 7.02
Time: 2.45
